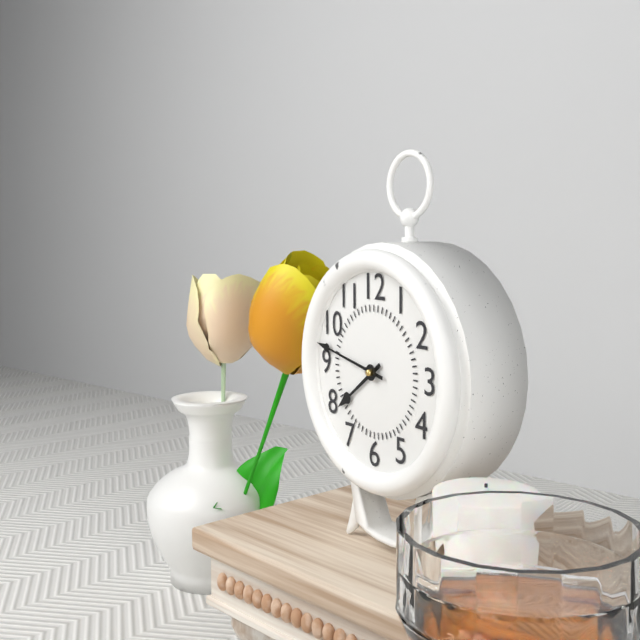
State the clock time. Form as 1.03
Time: 7.47
